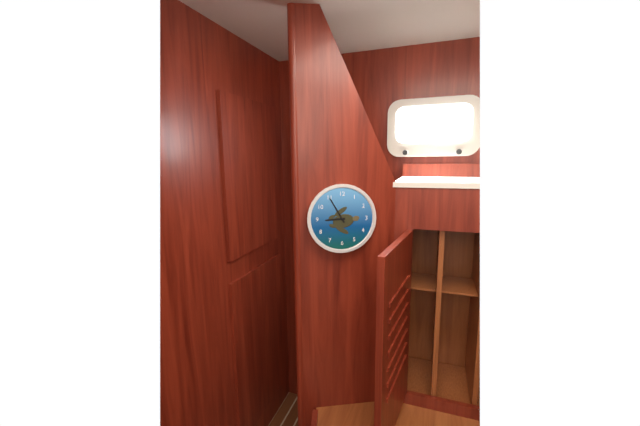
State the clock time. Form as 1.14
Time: 8.55
